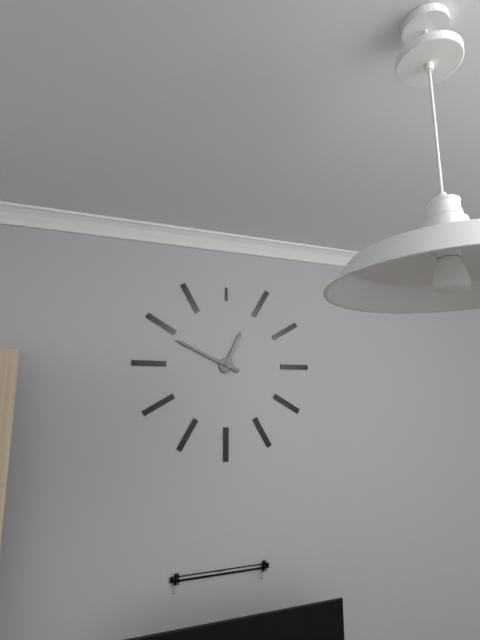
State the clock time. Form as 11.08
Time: 12.49
